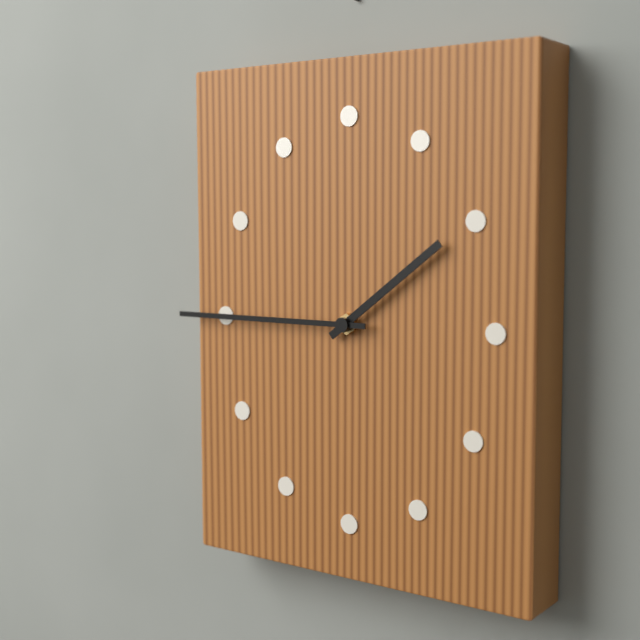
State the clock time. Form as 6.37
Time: 1.45
